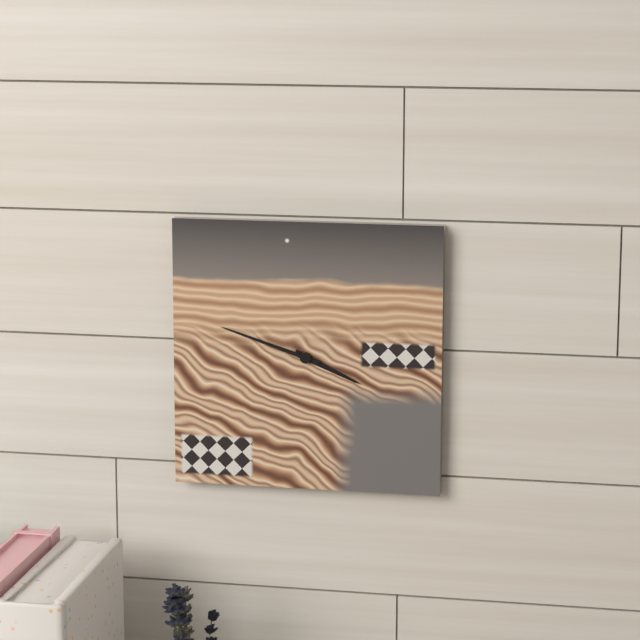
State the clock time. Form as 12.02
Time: 3.48
